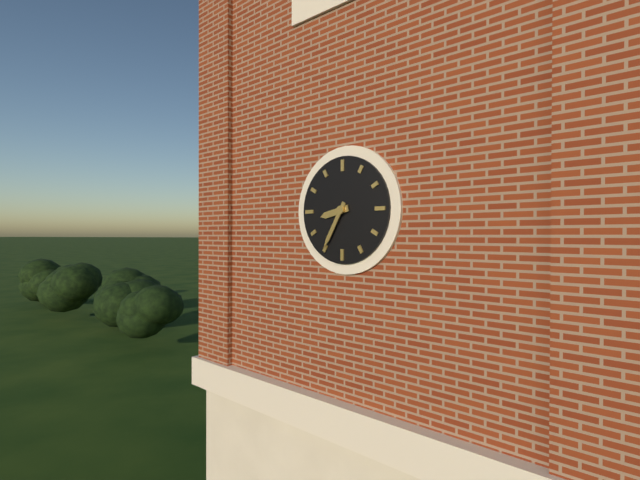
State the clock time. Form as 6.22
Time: 8.35
